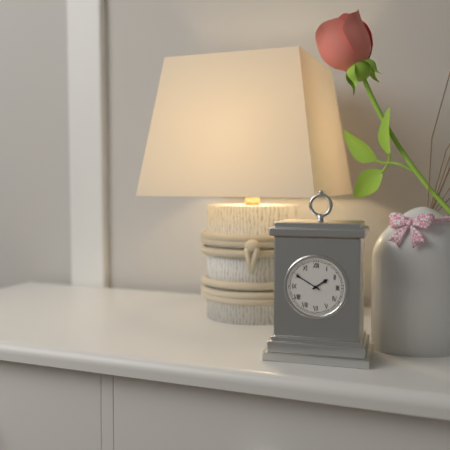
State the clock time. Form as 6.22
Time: 1.50
